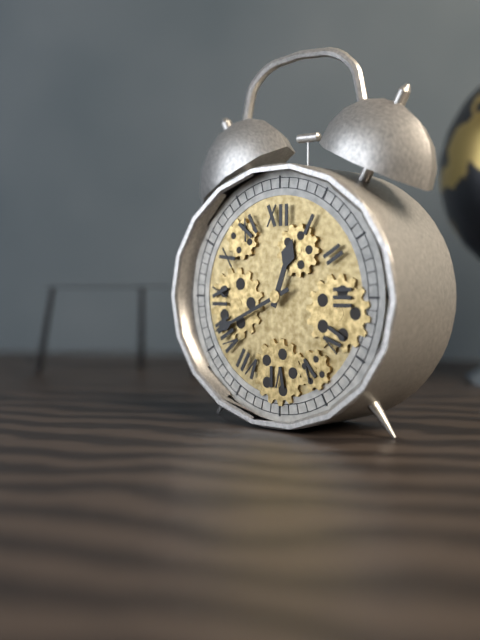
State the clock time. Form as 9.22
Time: 12.41
